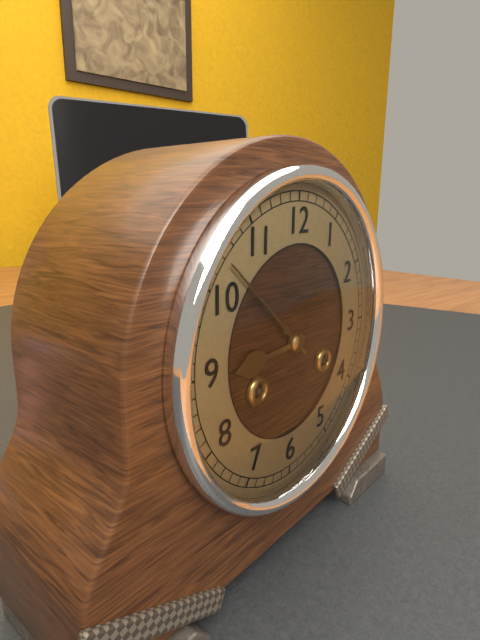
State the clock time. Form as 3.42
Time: 8.52
